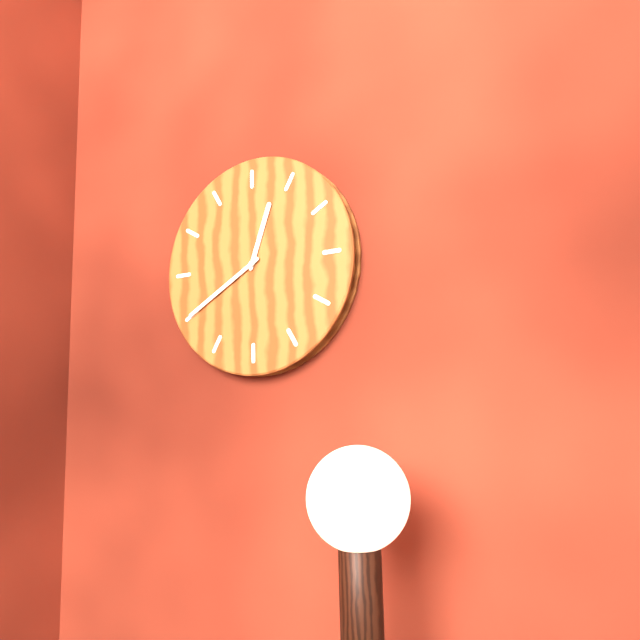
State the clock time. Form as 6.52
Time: 12.40
